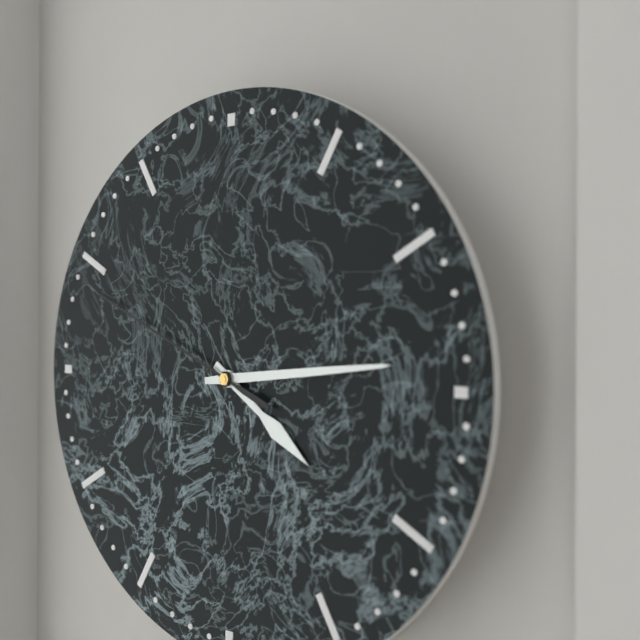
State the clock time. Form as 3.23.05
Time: 4.14.49
